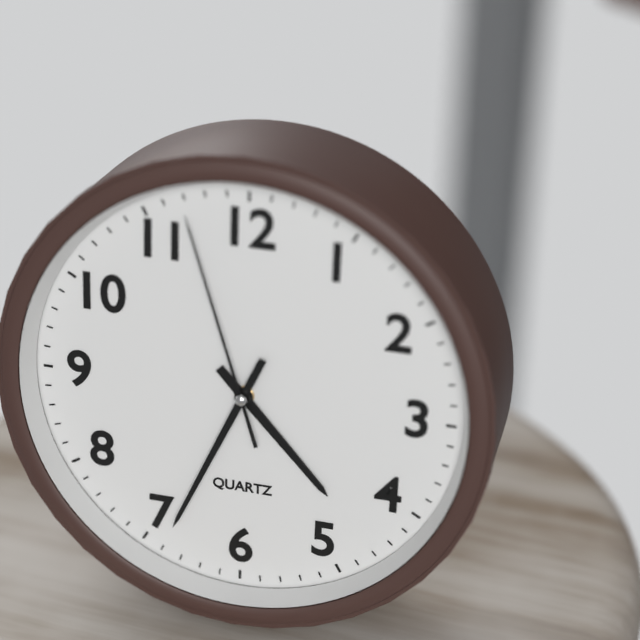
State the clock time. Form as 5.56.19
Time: 4.34.57
